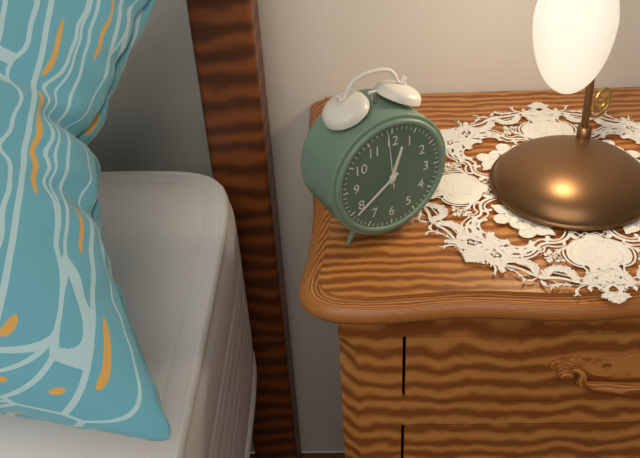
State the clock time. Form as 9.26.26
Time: 12.39.59
